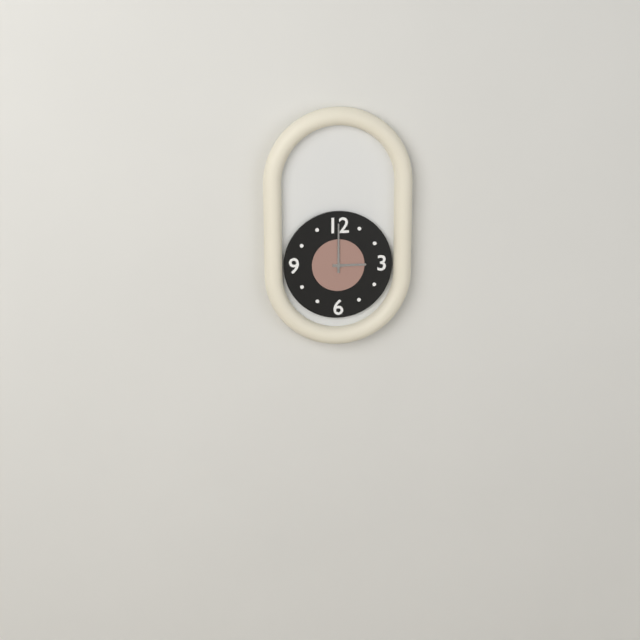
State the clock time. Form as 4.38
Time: 3.00
